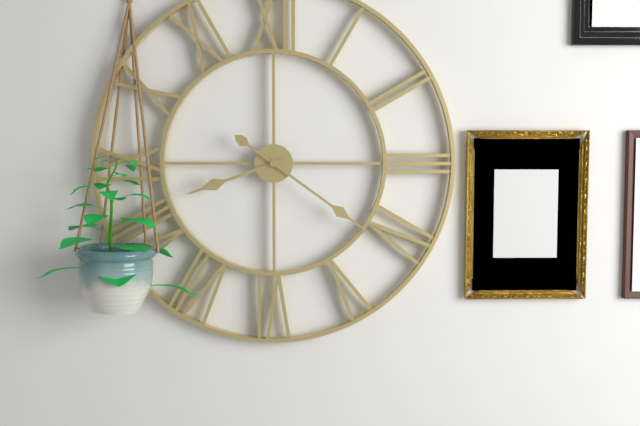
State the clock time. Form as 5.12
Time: 8.21
